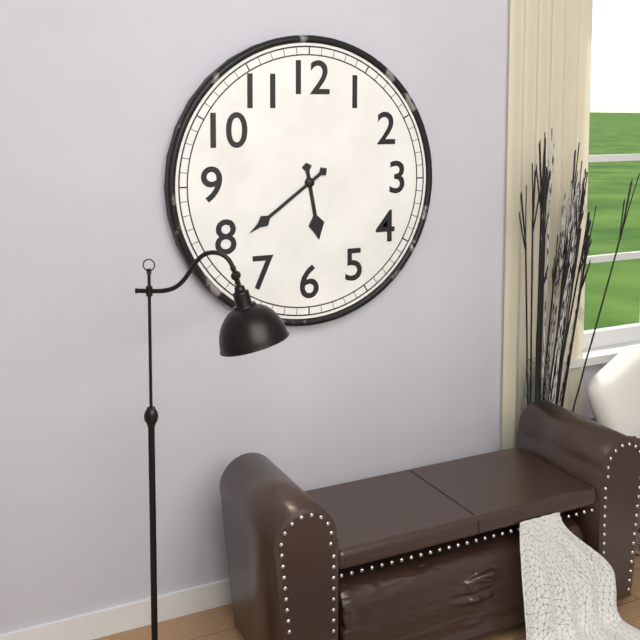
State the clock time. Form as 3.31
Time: 5.39
